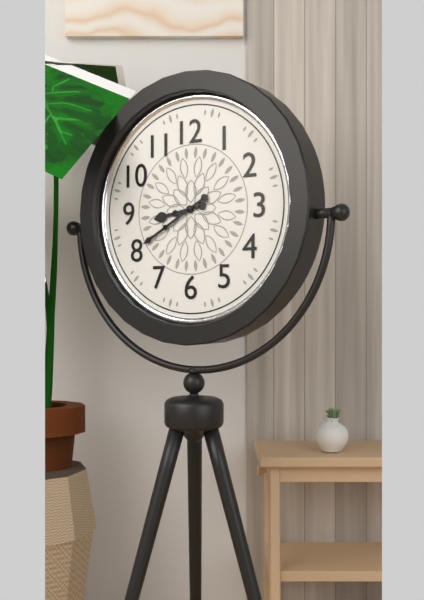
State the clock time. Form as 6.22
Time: 8.40
